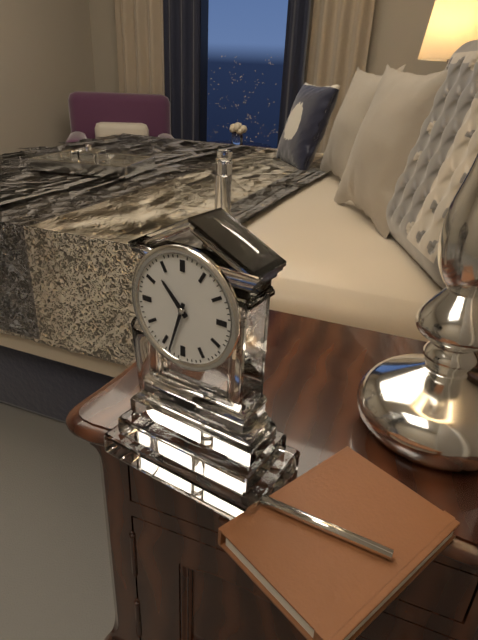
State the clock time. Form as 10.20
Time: 10.33
